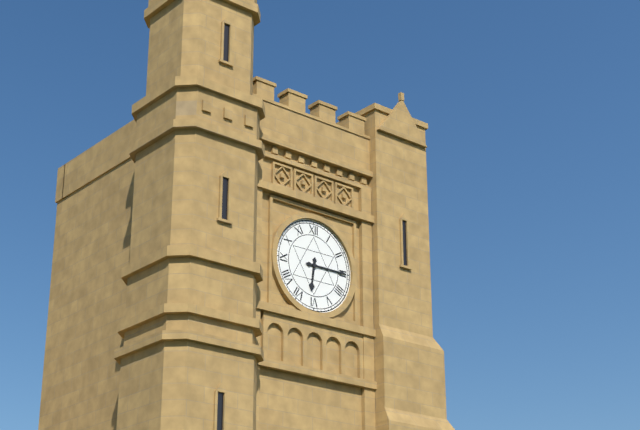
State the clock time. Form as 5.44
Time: 6.15
